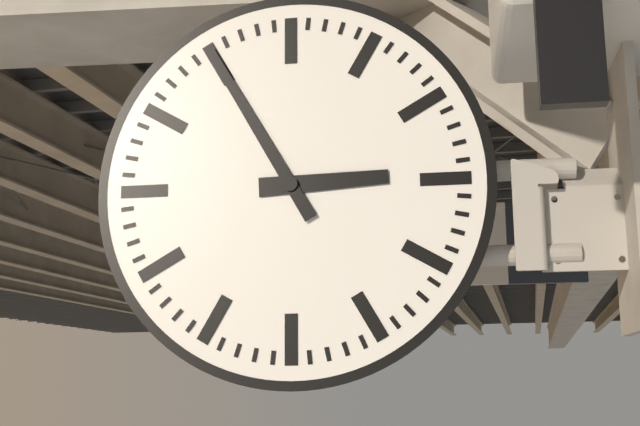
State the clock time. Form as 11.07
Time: 2.55
